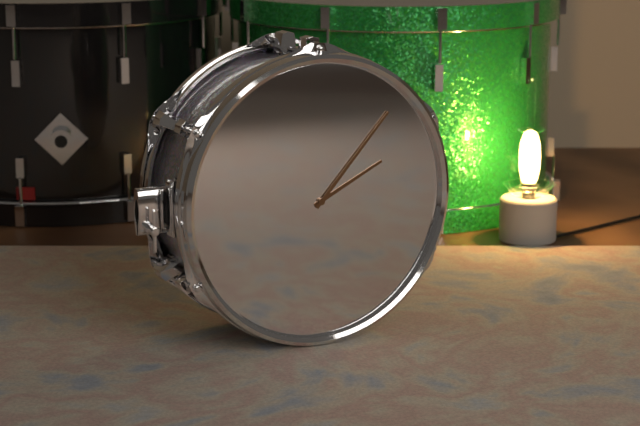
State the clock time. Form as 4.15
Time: 2.07
